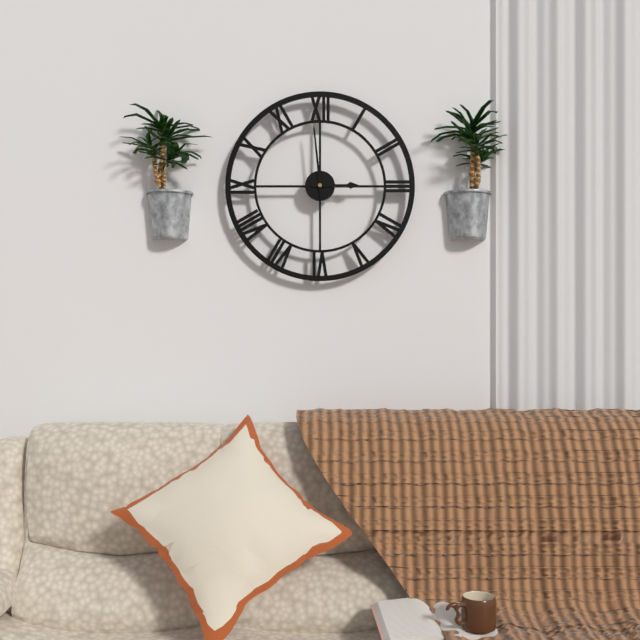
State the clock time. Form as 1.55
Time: 2.59
